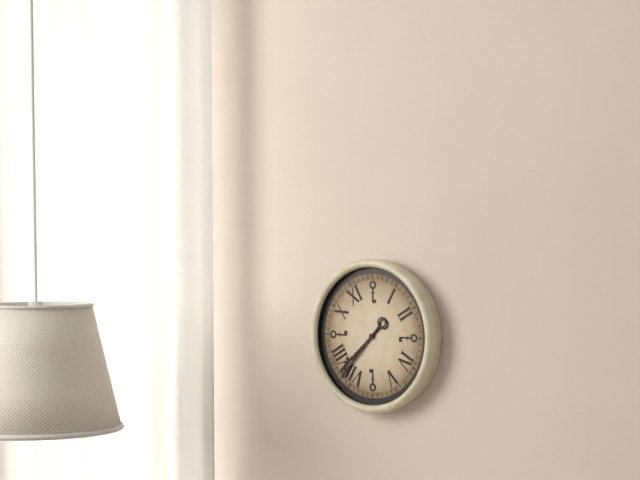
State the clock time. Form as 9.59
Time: 7.37
